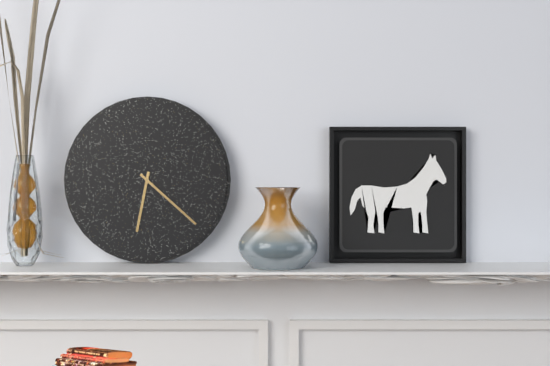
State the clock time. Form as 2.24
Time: 6.22
